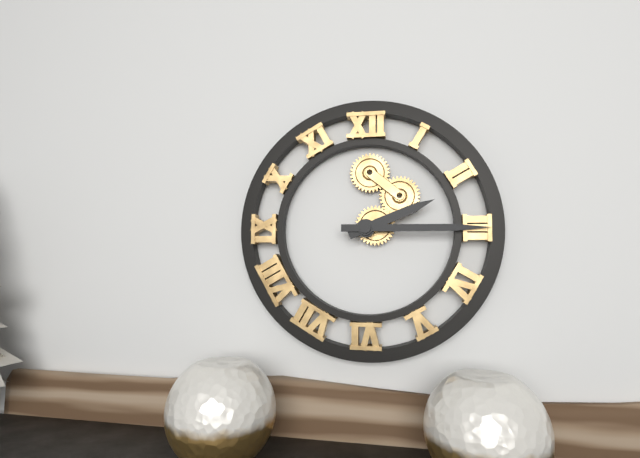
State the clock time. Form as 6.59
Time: 2.15
